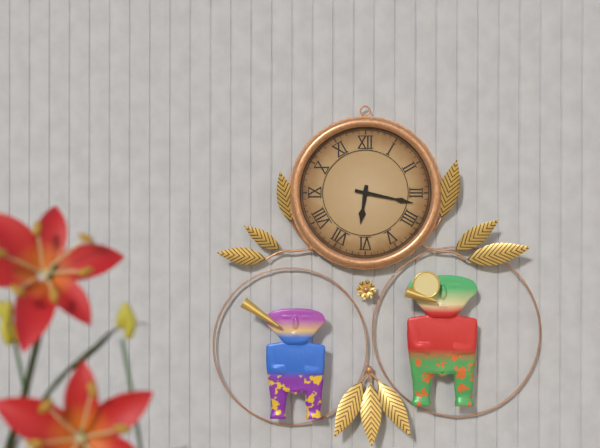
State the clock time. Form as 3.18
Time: 6.17
